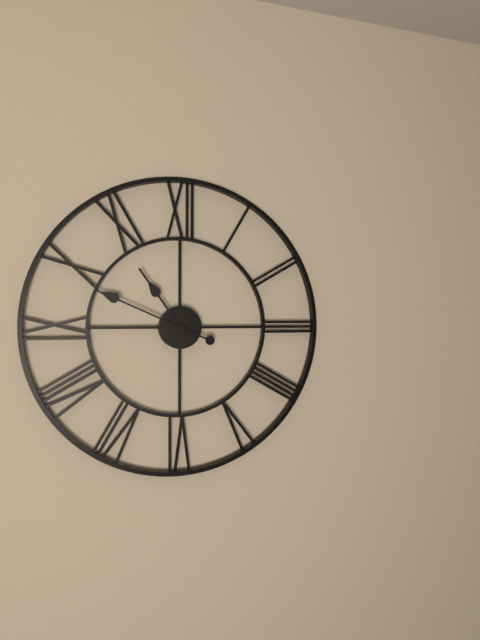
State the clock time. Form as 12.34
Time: 10.49
